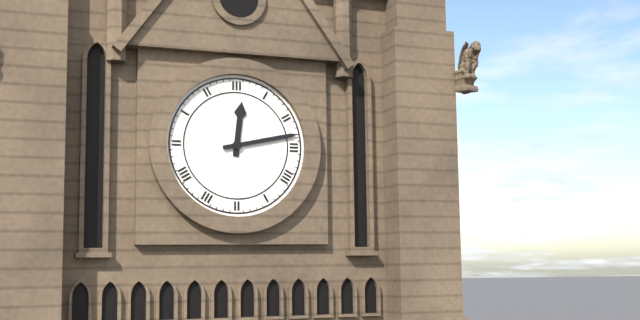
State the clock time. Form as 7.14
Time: 12.13
